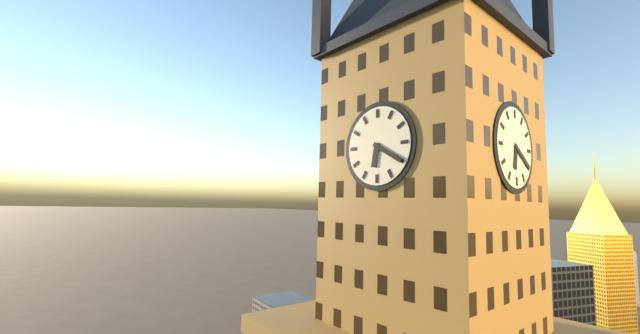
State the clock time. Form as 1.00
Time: 6.20
